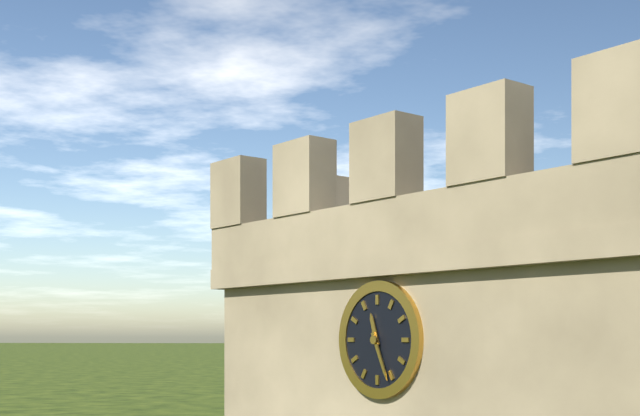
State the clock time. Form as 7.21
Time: 11.26
